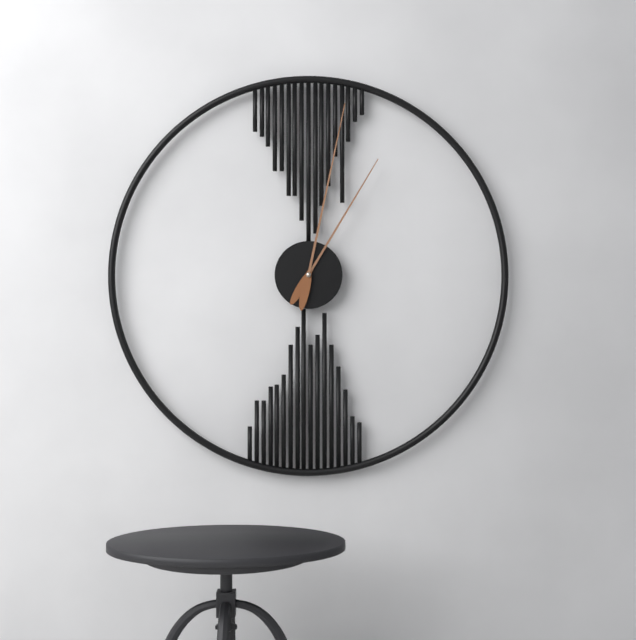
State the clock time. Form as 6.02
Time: 1.02
